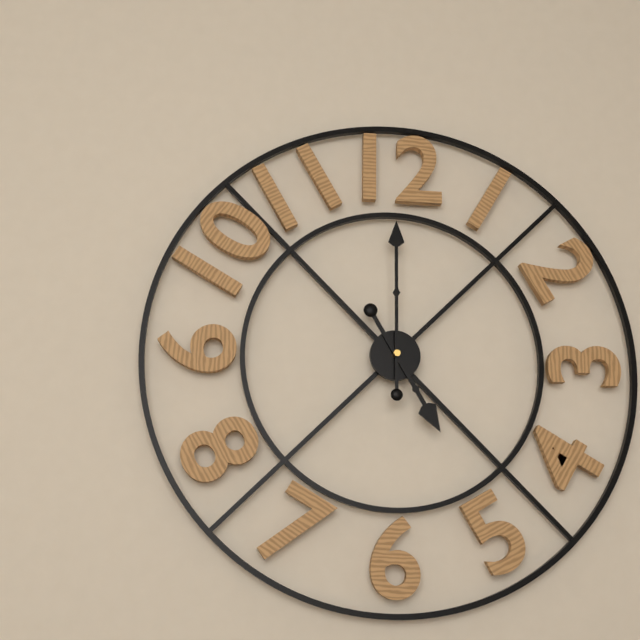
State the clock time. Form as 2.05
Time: 5.00
